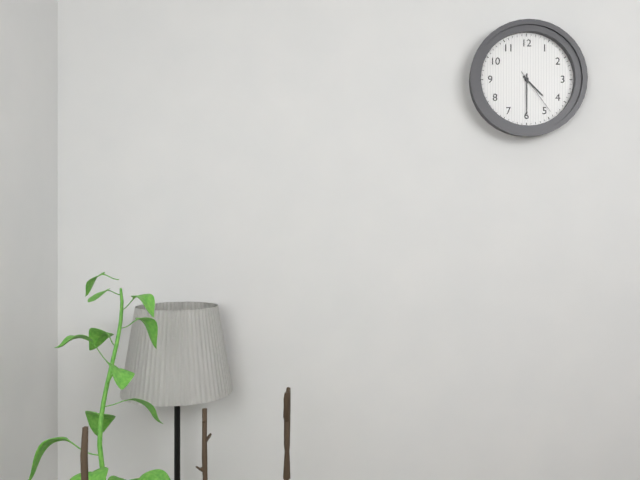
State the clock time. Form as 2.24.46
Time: 4.30.24
